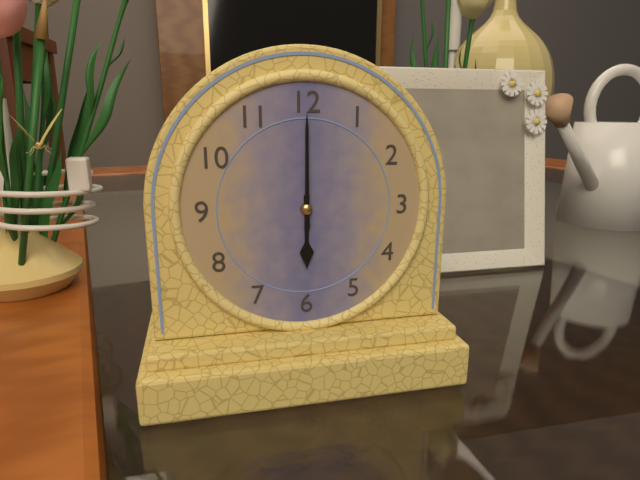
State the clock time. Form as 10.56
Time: 6.00
